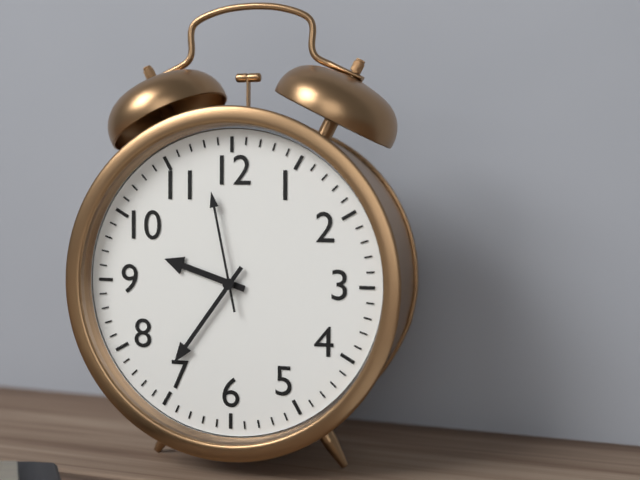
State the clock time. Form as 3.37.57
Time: 9.36.58
